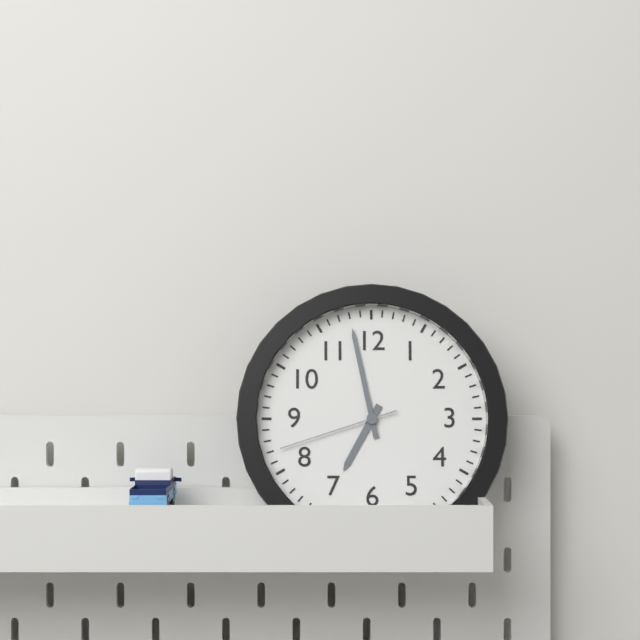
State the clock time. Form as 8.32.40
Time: 6.58.42
